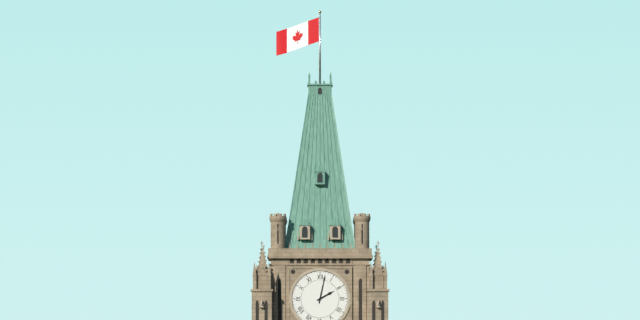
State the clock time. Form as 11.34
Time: 2.02
